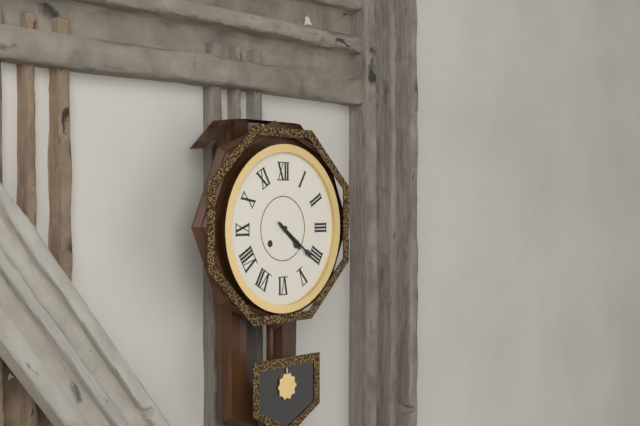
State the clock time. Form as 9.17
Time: 4.21
